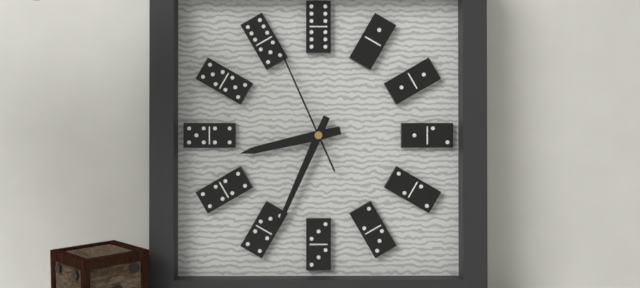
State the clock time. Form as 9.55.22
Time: 8.34.56
